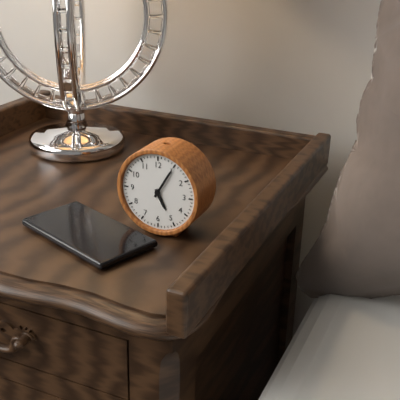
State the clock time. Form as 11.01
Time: 5.05
